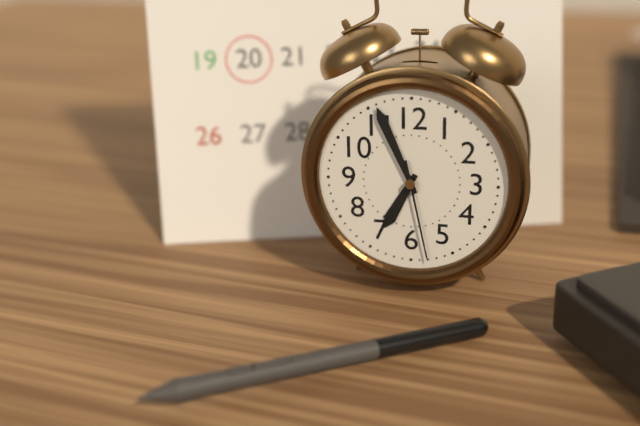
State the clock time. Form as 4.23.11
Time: 6.56.28
